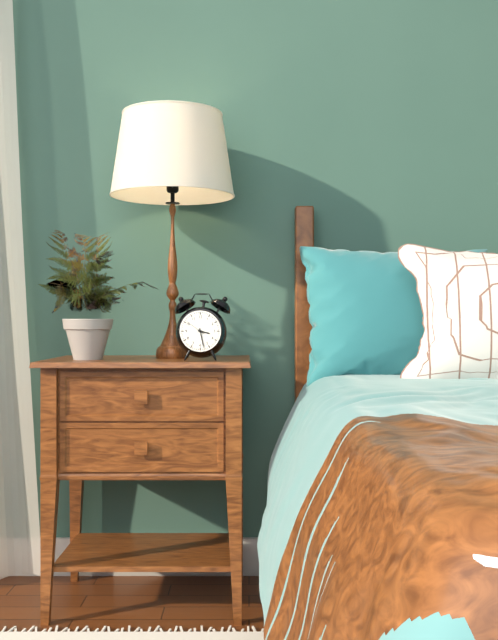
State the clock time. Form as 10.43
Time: 3.28
